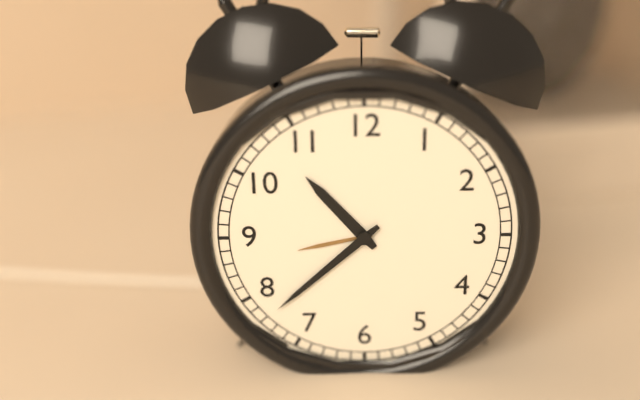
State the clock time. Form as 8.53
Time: 10.38
